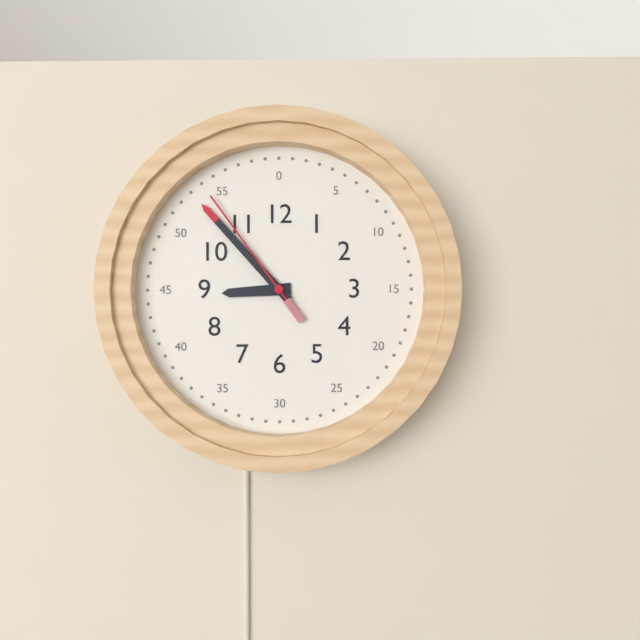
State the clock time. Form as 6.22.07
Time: 8.53.54
